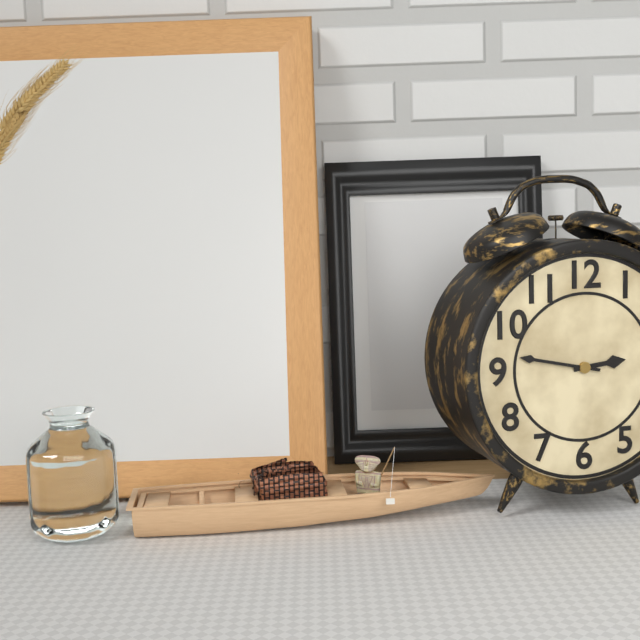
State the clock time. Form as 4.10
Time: 2.47
